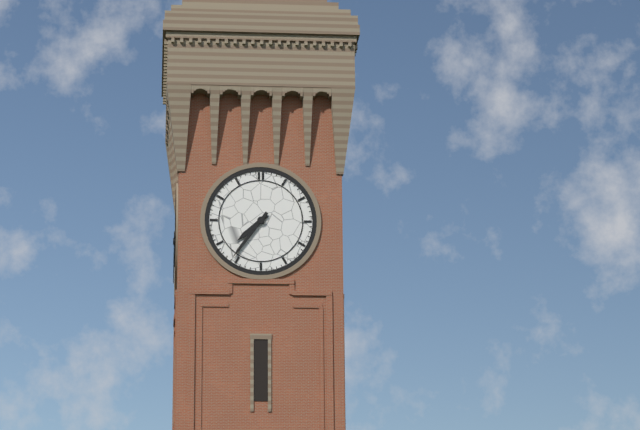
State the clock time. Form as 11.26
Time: 7.36
